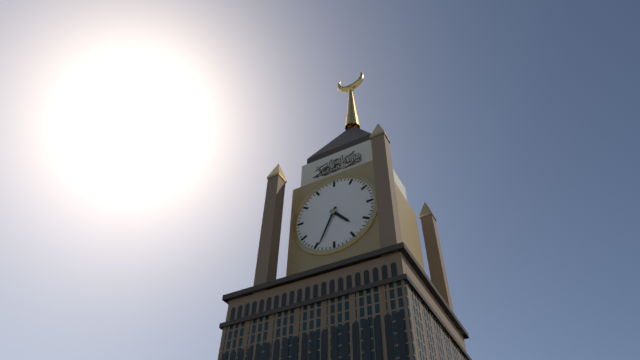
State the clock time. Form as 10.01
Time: 4.34
